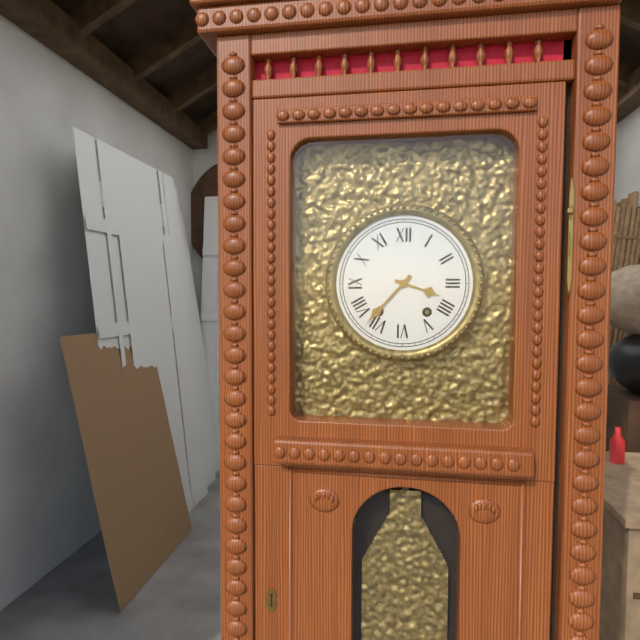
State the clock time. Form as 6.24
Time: 3.37
